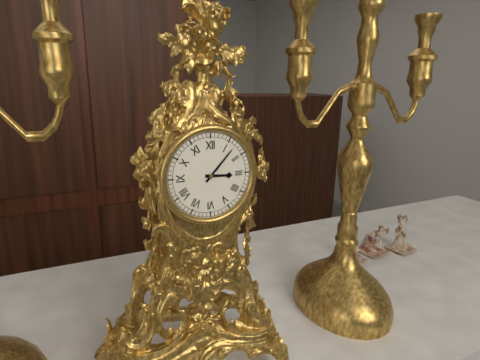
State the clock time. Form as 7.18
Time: 3.07
